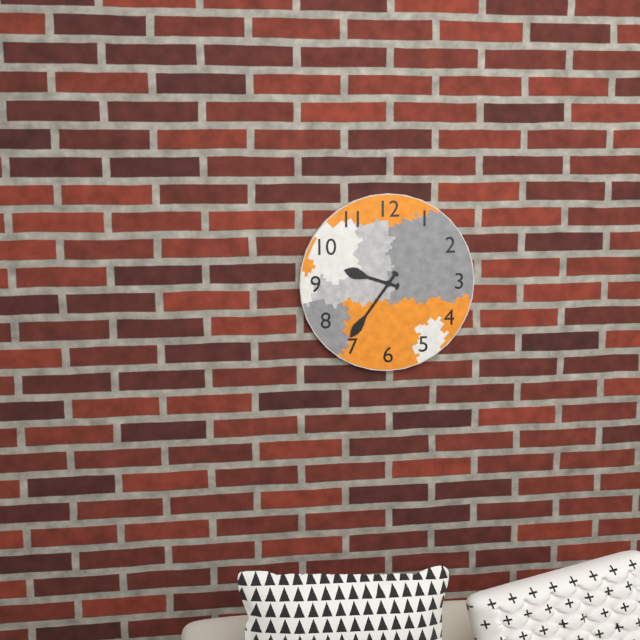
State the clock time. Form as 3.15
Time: 9.36
